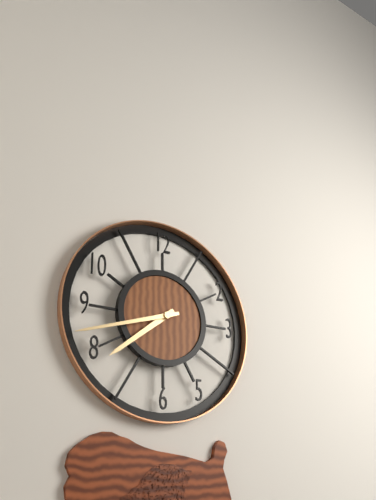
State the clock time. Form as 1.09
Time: 7.42
